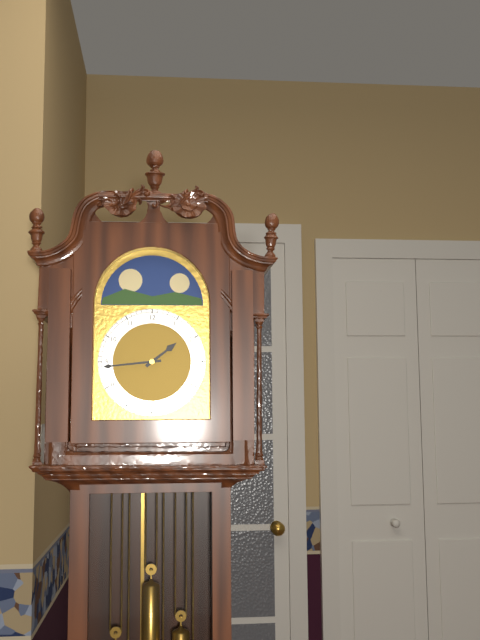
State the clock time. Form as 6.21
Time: 1.44
